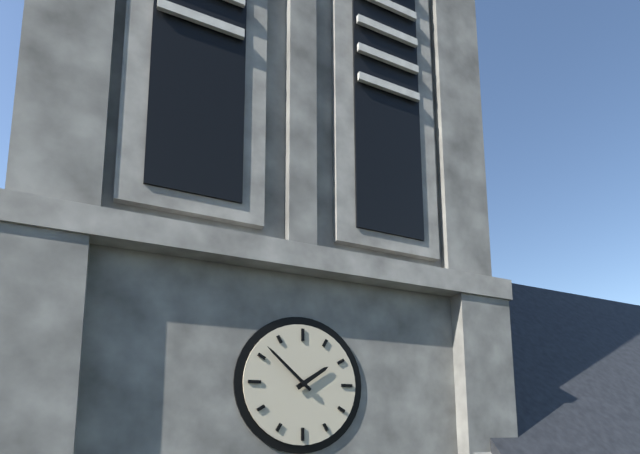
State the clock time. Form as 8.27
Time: 1.52
